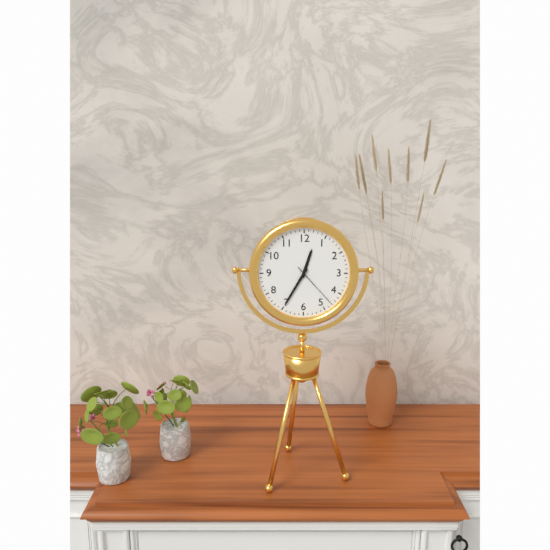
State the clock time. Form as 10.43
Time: 12.35
